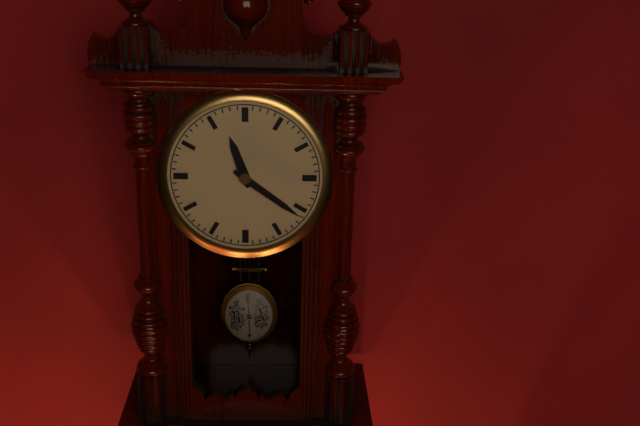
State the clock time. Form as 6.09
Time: 11.21
